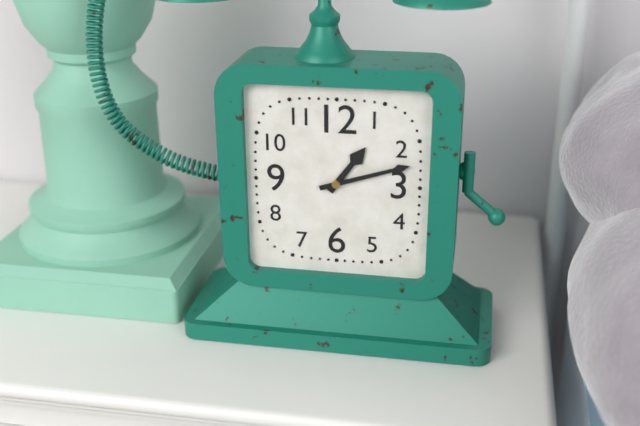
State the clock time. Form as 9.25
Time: 1.12
